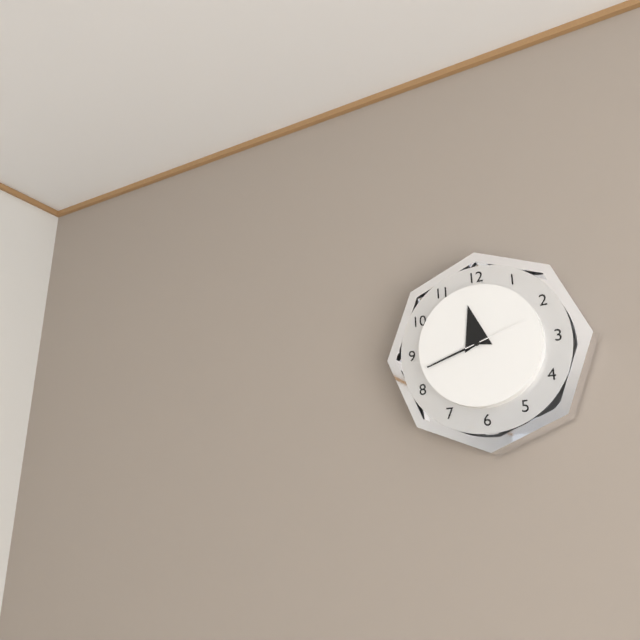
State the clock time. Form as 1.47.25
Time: 11.42.12
